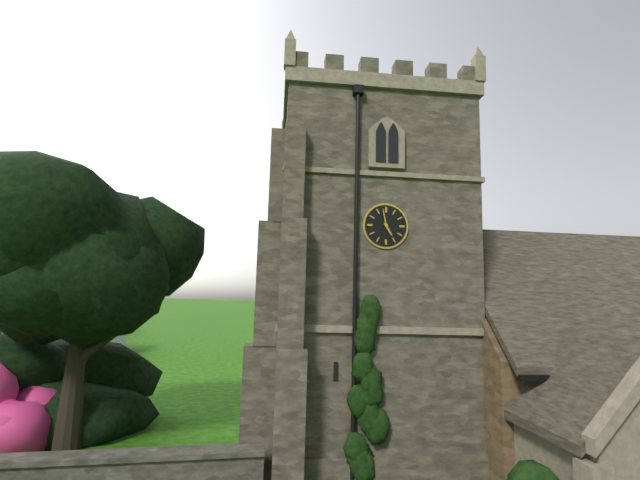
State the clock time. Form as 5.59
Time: 4.58
